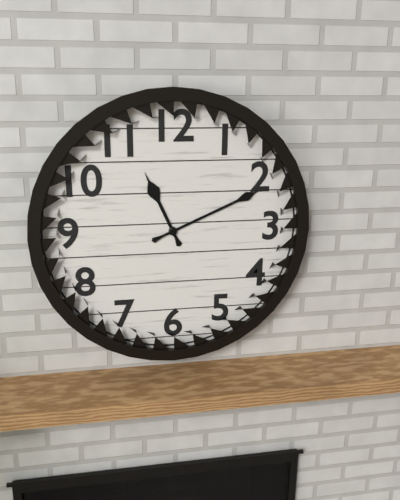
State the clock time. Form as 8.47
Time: 11.11
